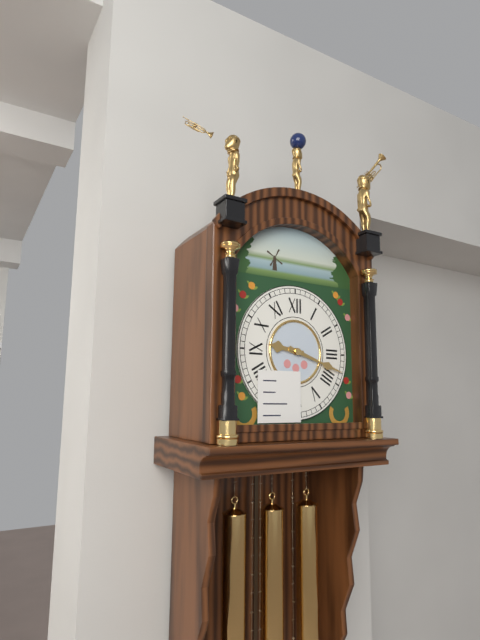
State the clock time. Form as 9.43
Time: 9.18
